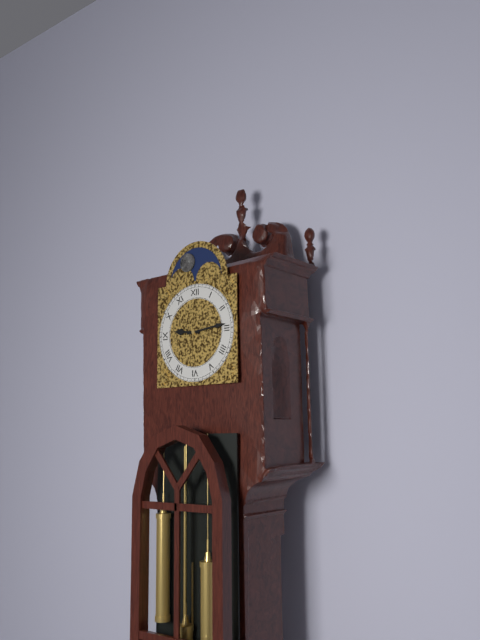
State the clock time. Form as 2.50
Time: 9.14
